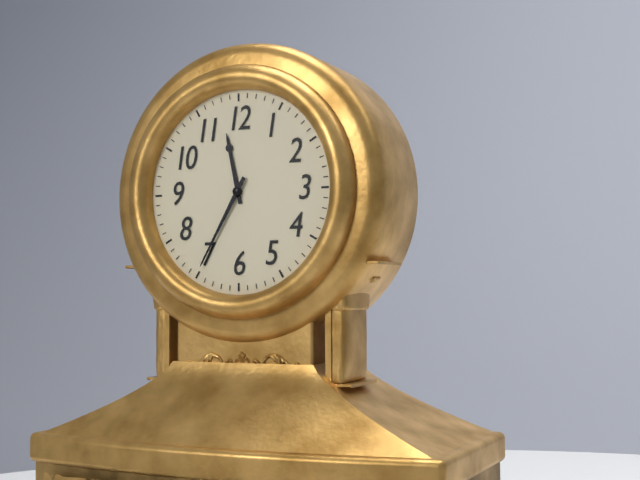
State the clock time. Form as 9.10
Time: 11.35
